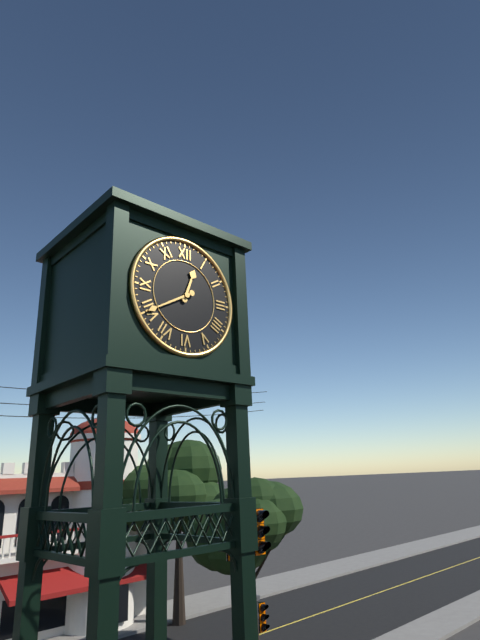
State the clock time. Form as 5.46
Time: 12.40
